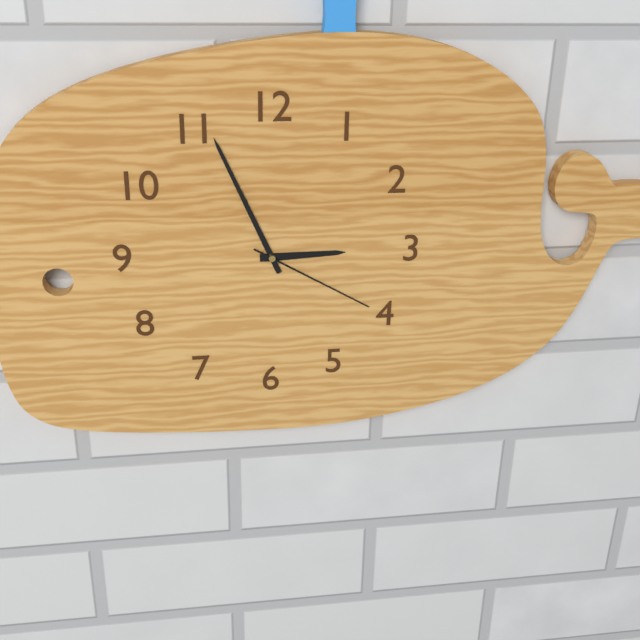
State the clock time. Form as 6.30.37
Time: 2.56.20
